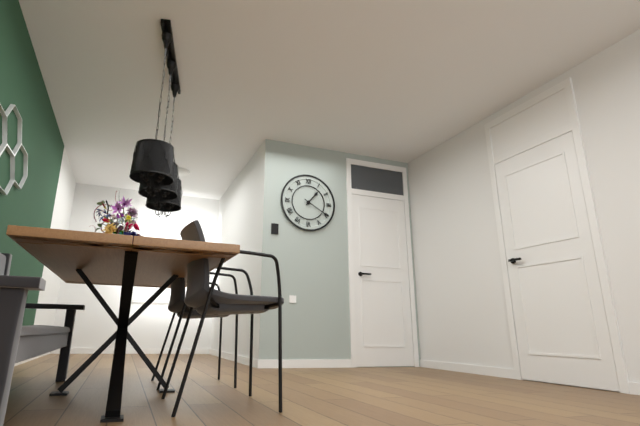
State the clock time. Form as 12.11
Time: 1.20
